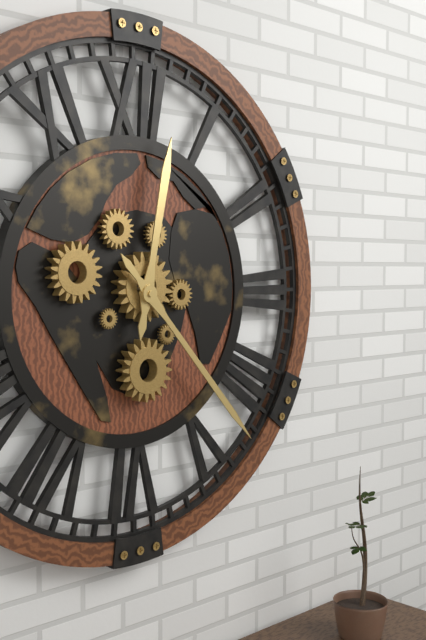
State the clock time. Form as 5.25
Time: 12.23
